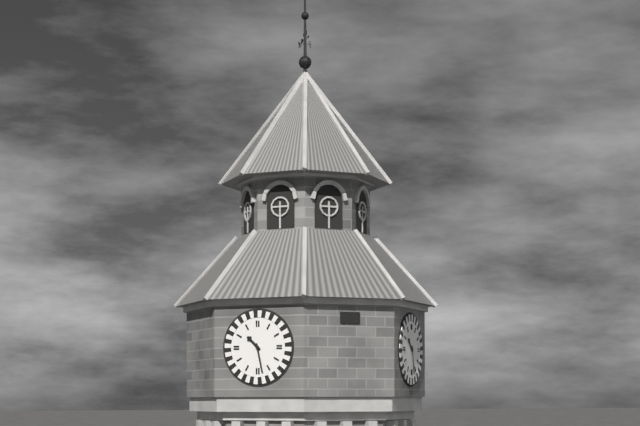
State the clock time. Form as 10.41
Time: 10.28
